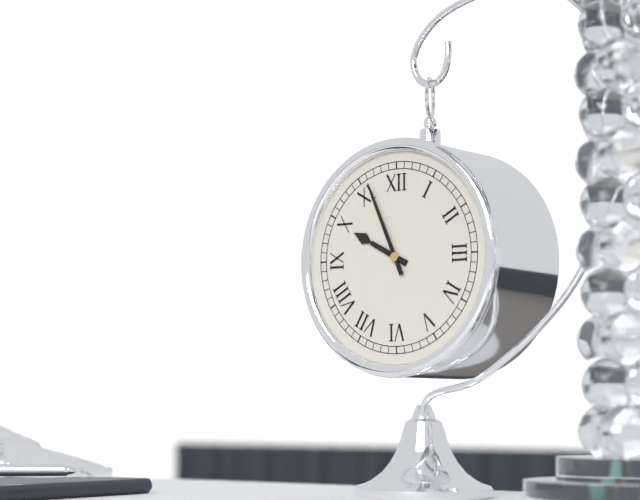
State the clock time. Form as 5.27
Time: 9.56
